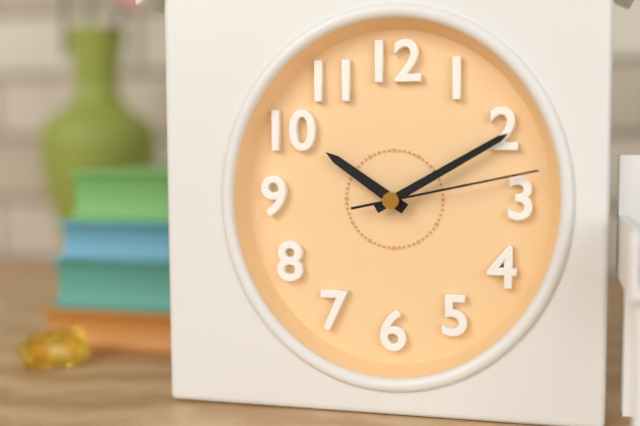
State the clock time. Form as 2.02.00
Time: 10.10.13
